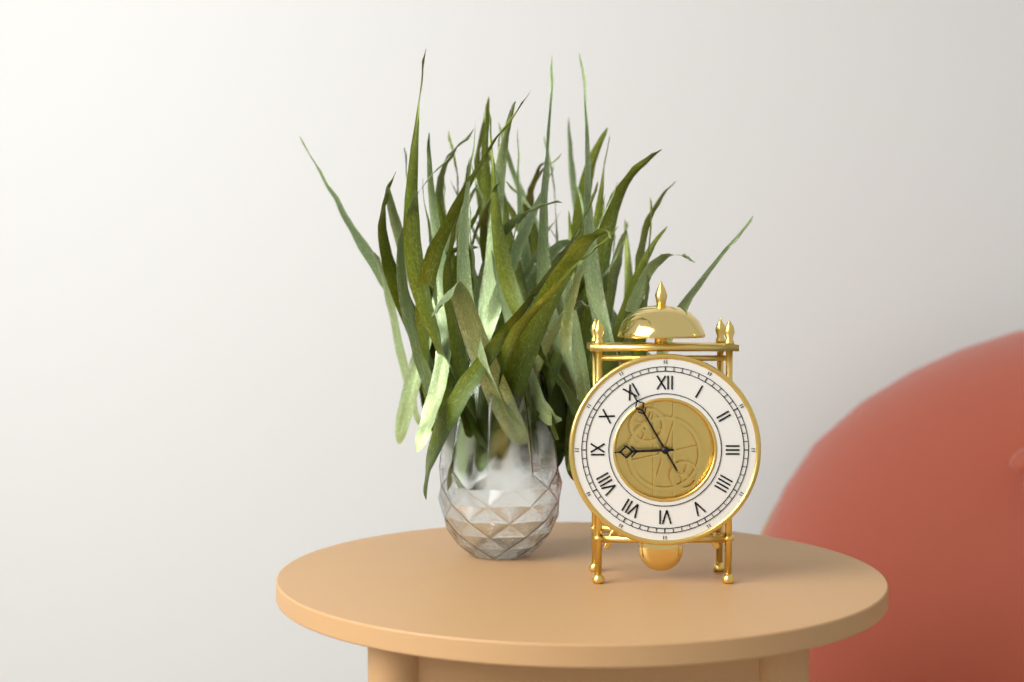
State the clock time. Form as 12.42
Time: 8.55
